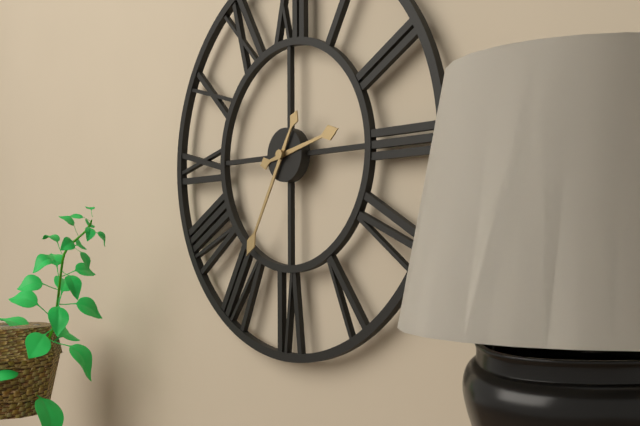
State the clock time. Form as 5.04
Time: 2.35
